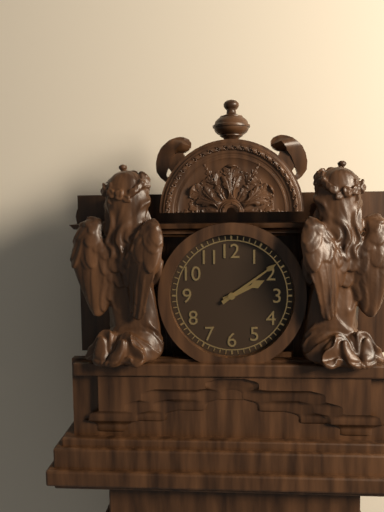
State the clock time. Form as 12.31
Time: 2.09
